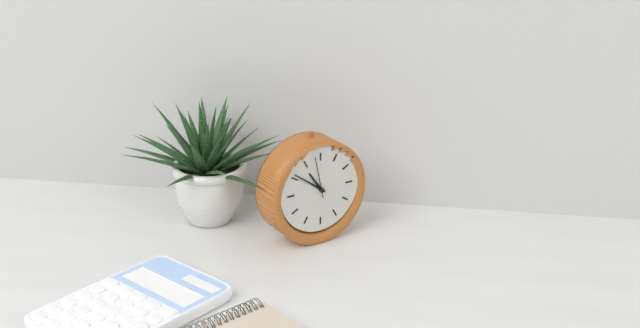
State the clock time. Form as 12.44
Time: 10.51
